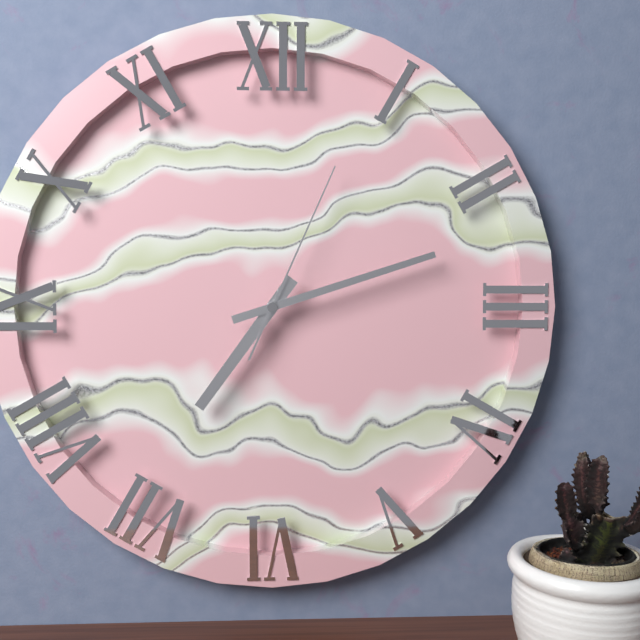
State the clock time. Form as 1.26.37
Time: 7.12.04
